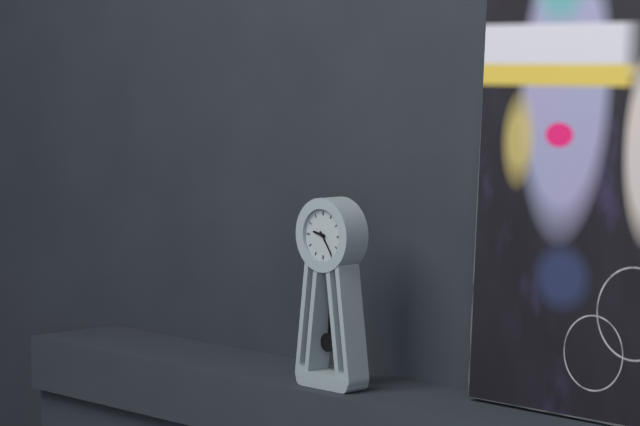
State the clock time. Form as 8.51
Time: 9.24
